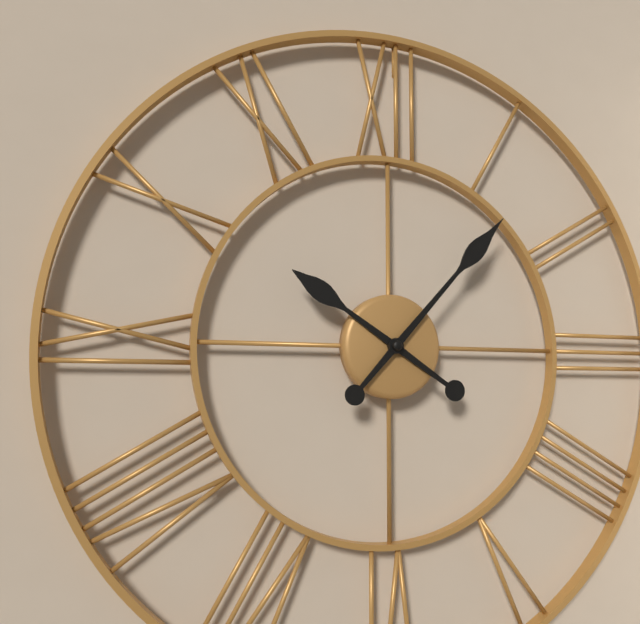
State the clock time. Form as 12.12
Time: 10.07
